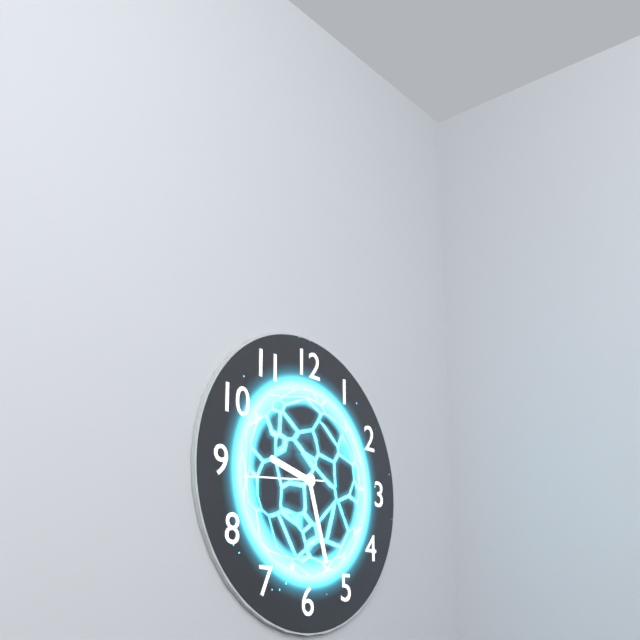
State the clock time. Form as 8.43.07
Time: 9.27.44
